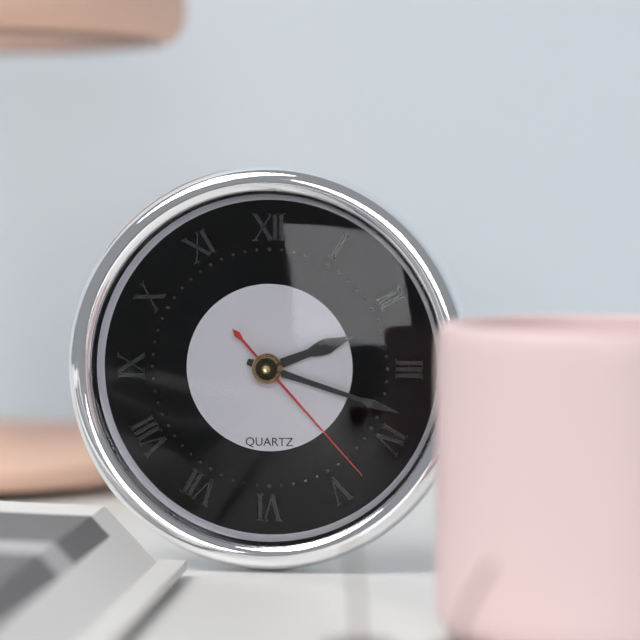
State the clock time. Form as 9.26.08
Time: 2.18.23
